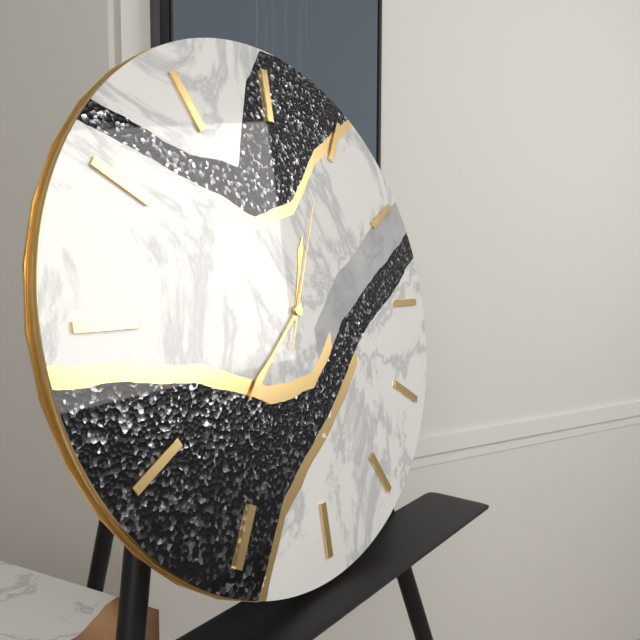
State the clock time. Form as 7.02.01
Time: 12.38.04
